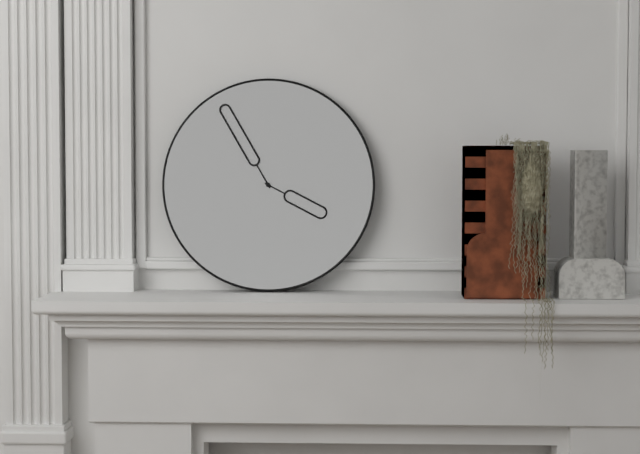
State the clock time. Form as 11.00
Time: 3.55
